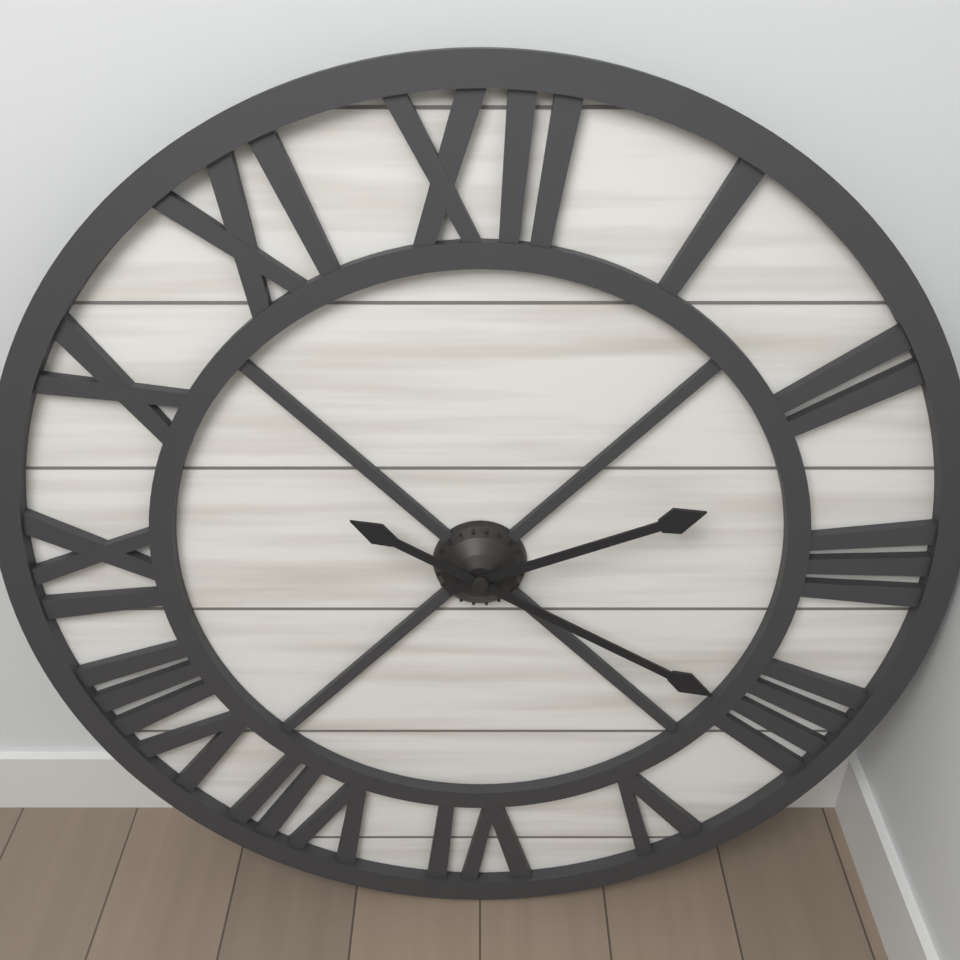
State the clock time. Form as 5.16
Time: 2.20
